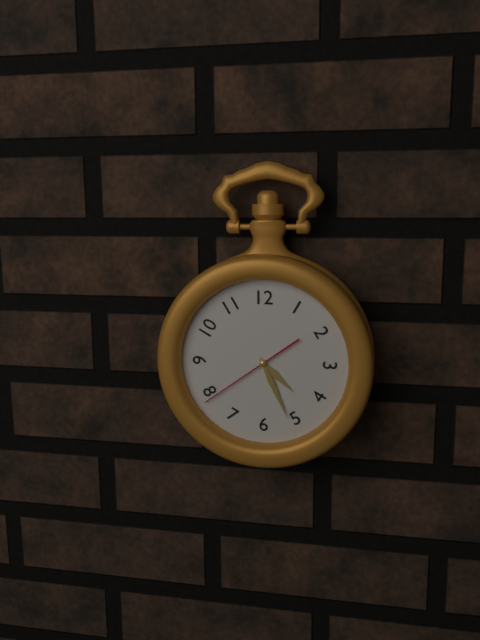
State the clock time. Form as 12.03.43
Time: 4.26.39
